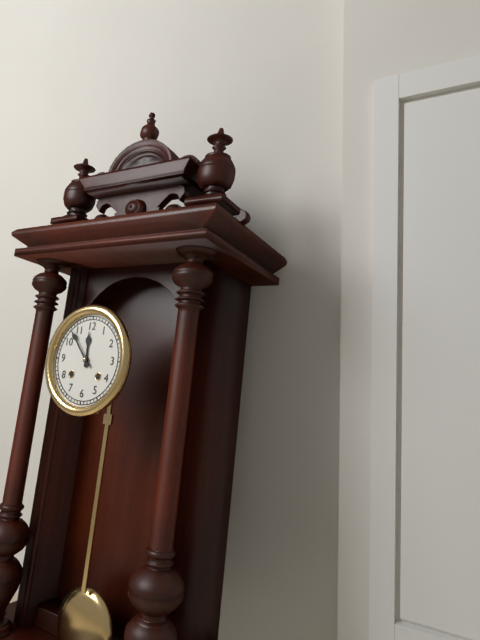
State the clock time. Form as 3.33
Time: 11.53
